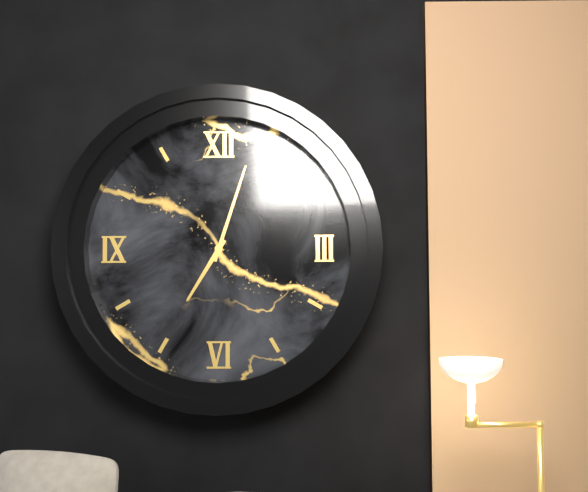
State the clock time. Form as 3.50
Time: 7.03
